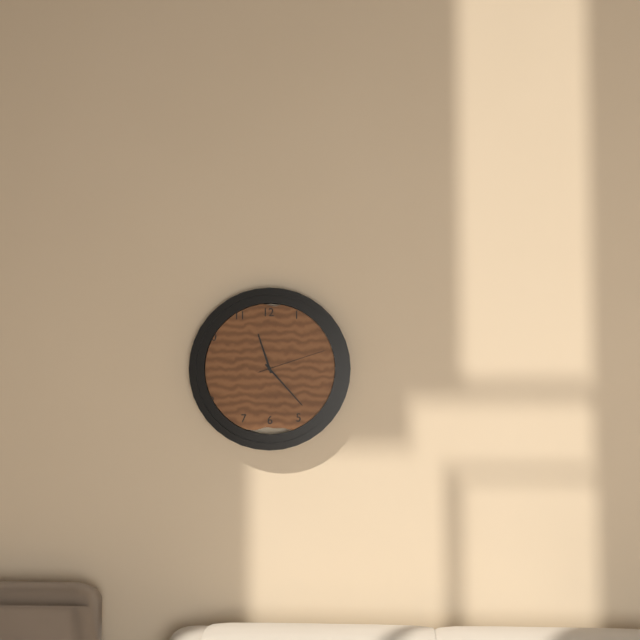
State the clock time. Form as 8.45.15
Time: 11.23.12
